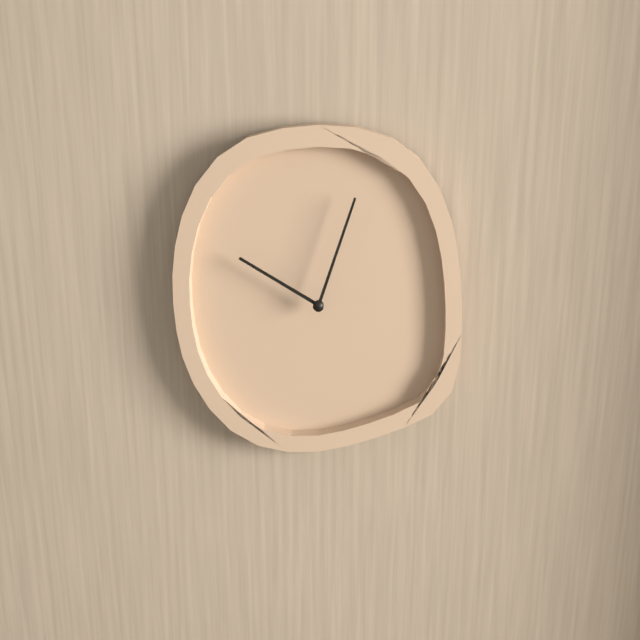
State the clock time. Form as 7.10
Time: 10.03
